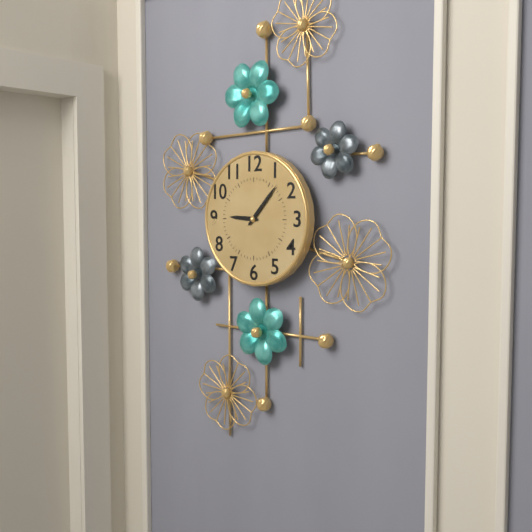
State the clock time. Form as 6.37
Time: 9.07
